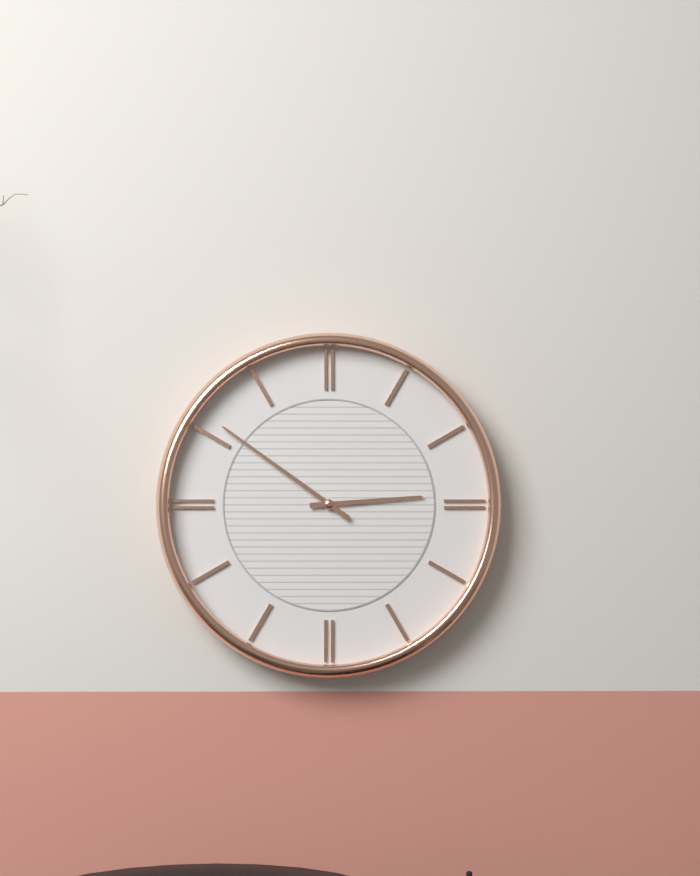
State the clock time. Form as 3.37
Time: 2.51
